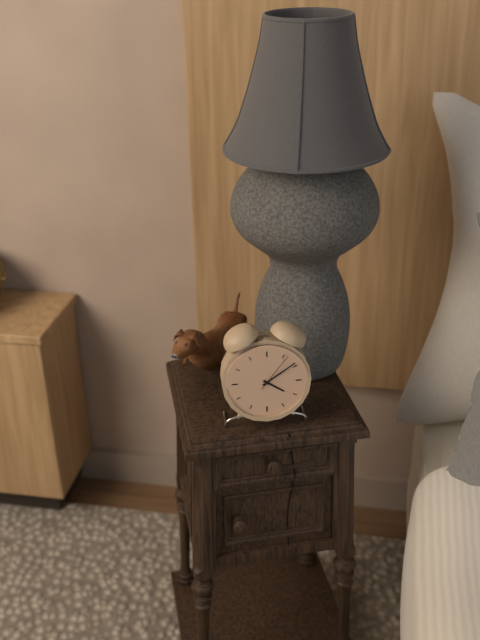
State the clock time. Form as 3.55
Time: 4.09
